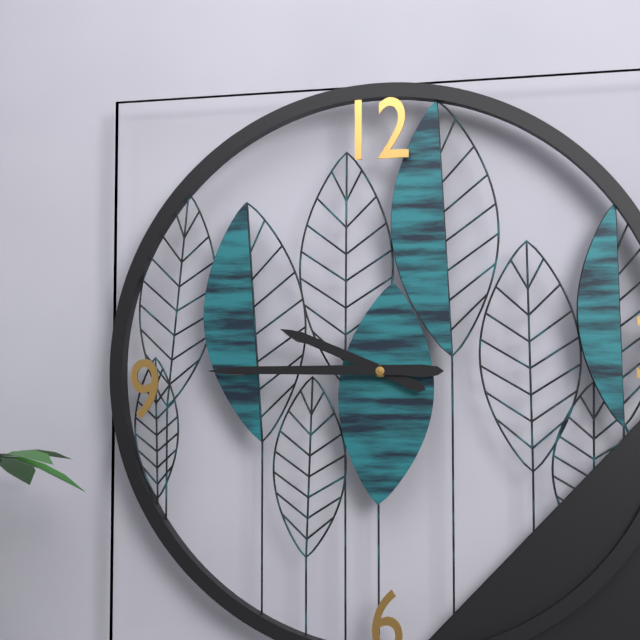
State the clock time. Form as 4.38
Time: 9.45
